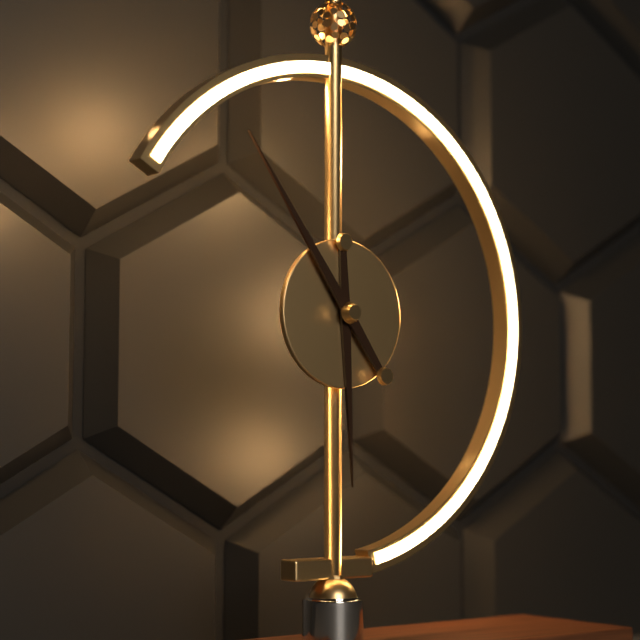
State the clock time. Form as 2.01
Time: 5.54
